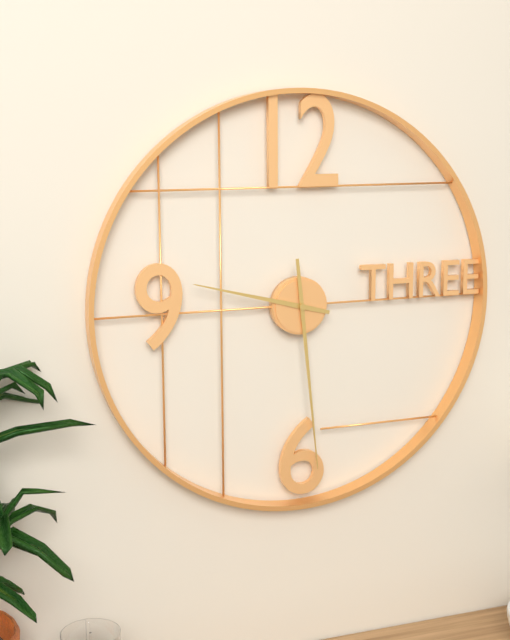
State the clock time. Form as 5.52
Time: 9.29
